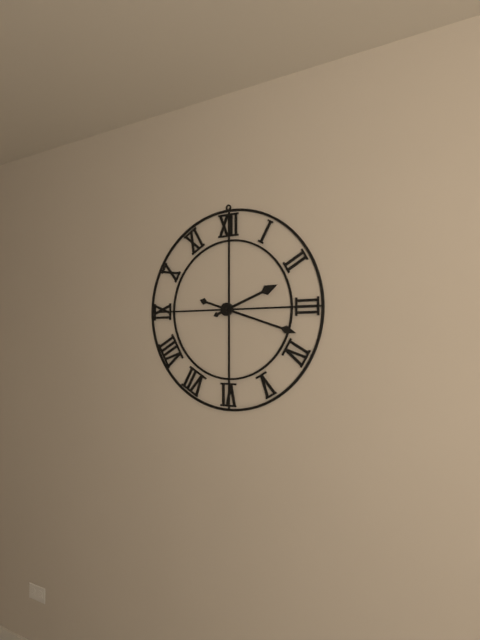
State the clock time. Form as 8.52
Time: 2.18
